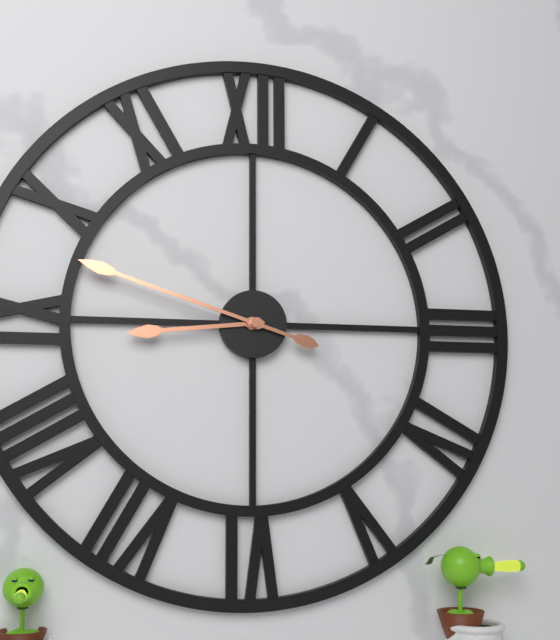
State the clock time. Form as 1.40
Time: 8.48
